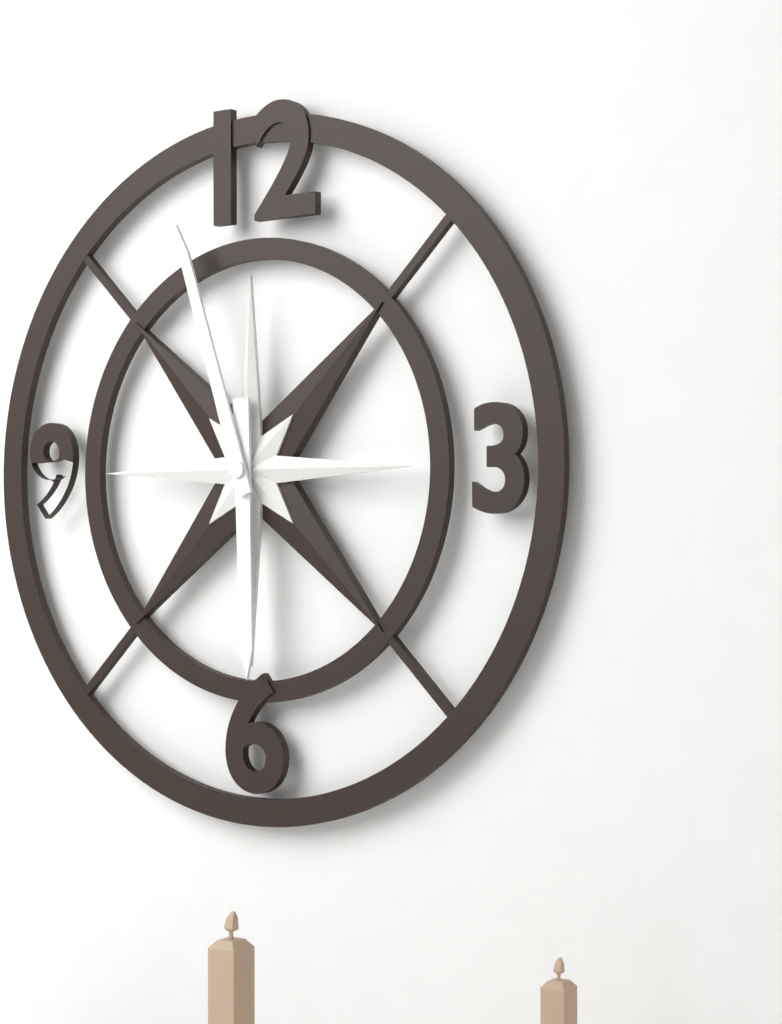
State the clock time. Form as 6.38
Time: 5.57
